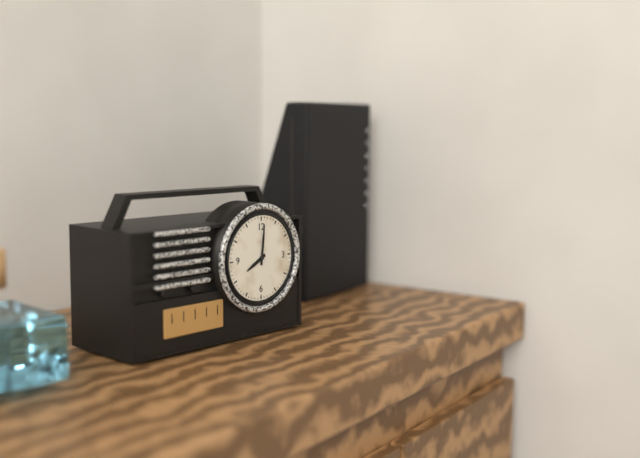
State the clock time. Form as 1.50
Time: 8.01
